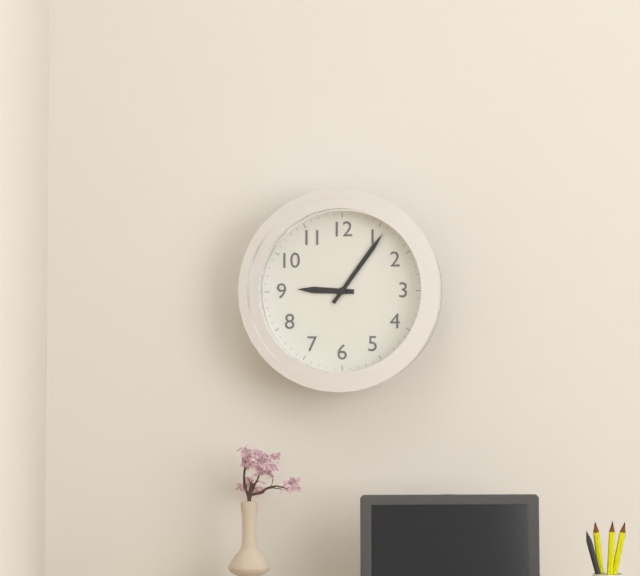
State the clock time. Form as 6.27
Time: 9.06
